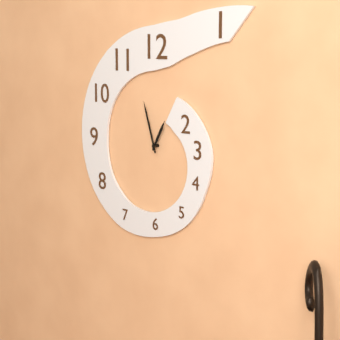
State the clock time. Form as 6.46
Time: 12.57
